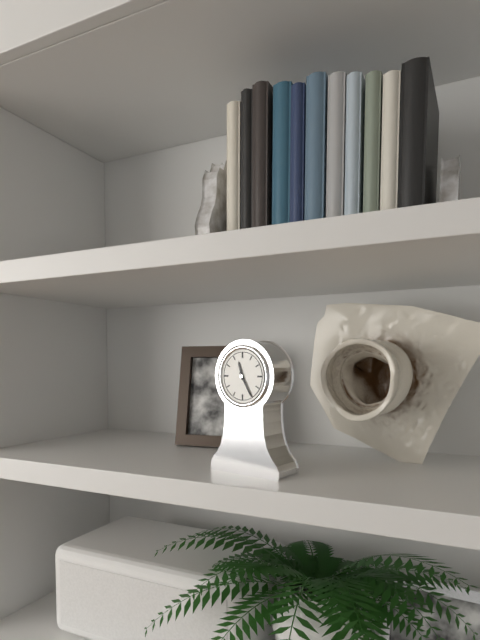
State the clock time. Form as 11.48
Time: 11.25
